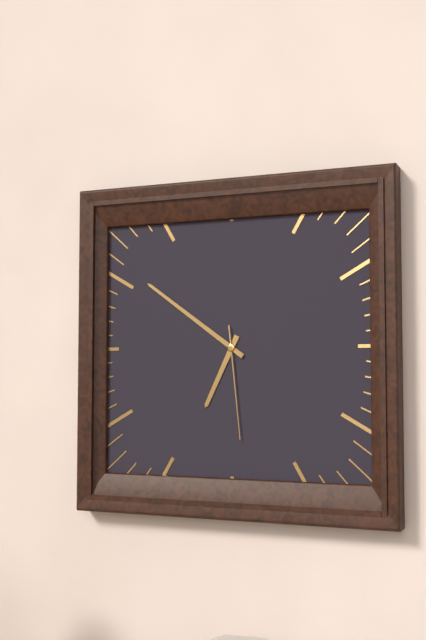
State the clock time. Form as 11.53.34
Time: 6.51.29
